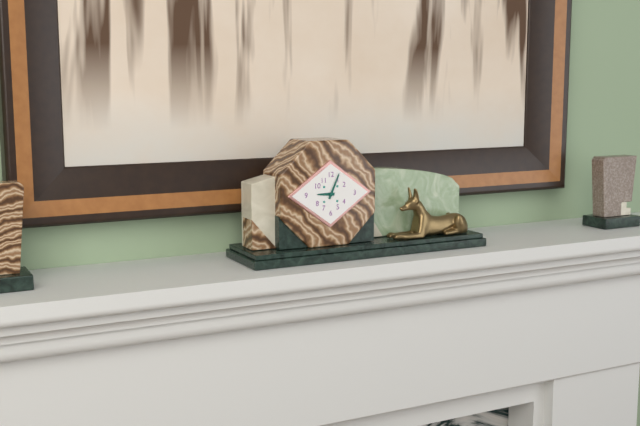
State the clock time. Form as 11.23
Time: 9.04
